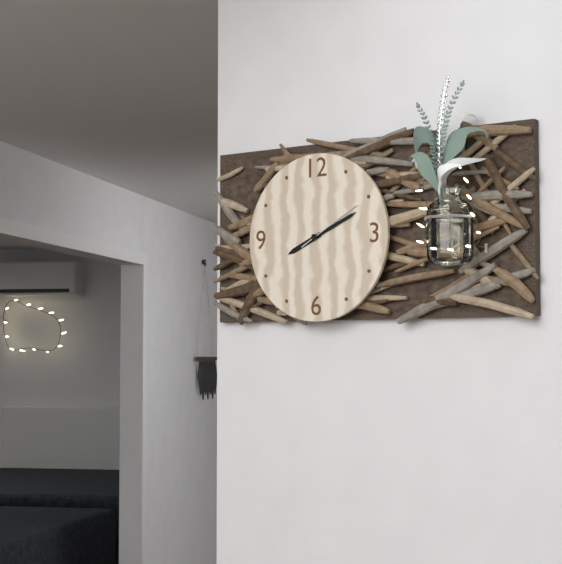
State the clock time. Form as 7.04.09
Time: 8.11.10
